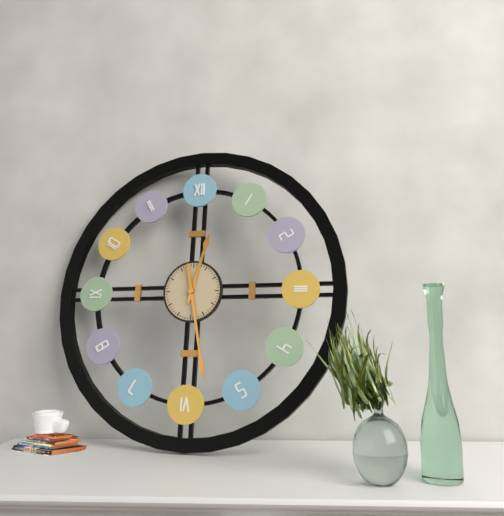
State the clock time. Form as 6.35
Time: 12.28
